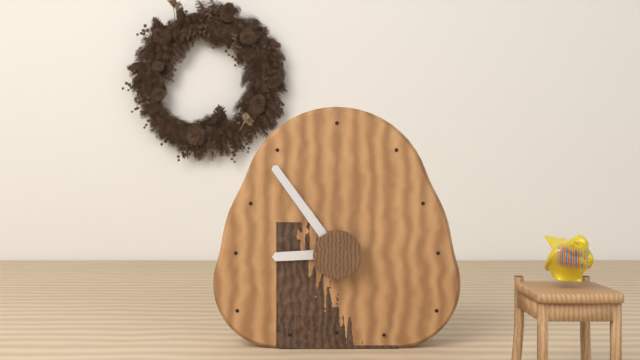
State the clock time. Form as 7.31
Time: 8.54
